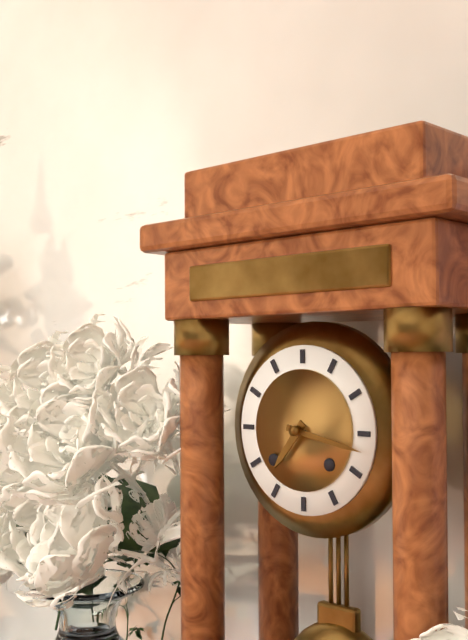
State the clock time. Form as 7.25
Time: 7.17
